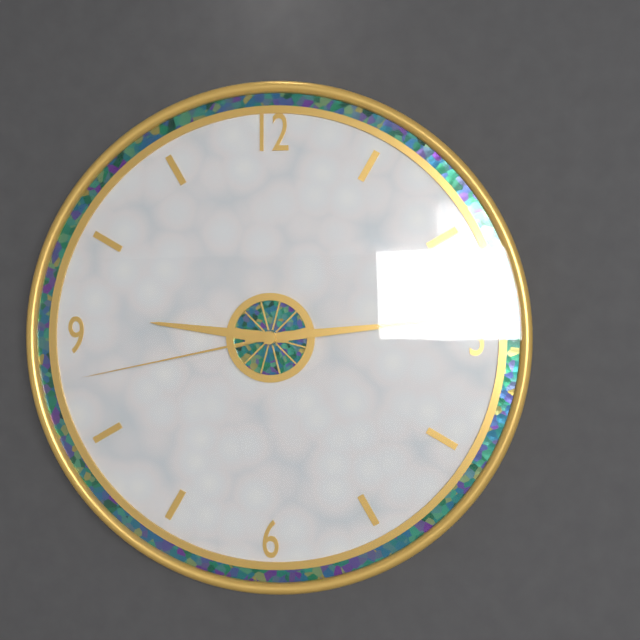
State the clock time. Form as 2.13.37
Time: 9.14.43
